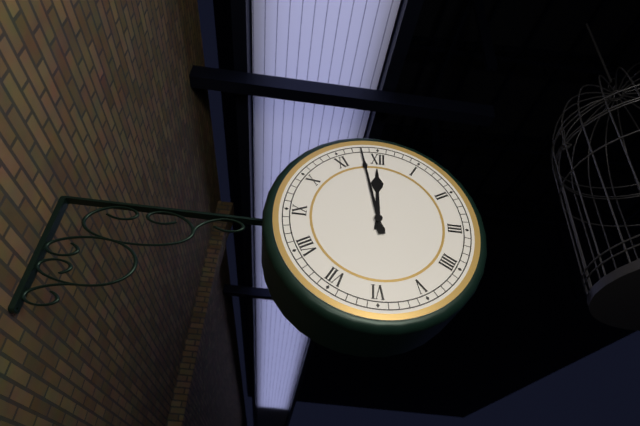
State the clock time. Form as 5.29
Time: 11.58
